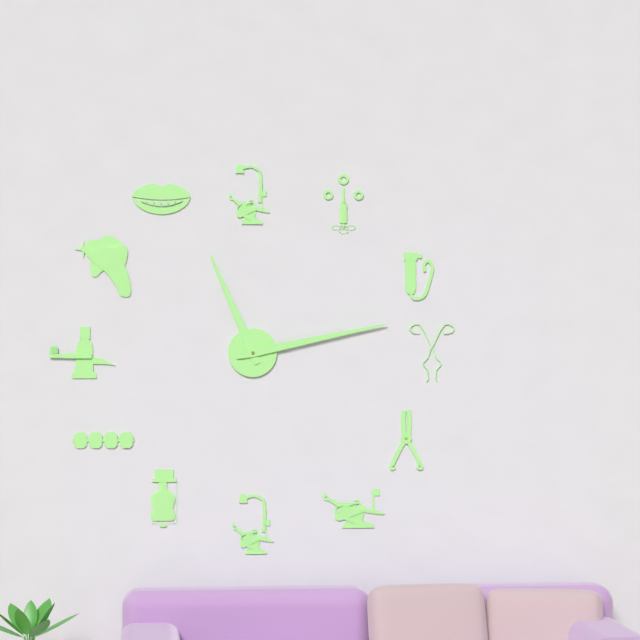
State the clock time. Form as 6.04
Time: 11.13
